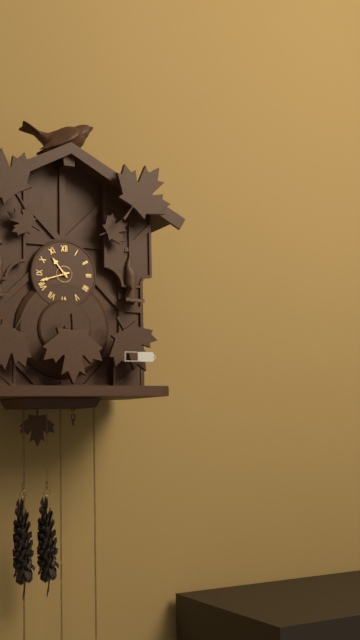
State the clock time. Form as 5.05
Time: 10.42
